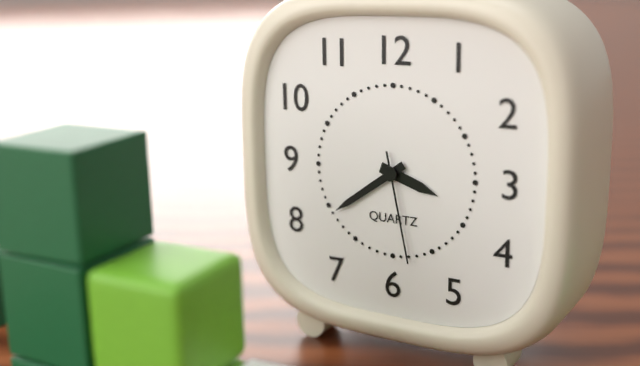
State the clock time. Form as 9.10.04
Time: 3.39.28
